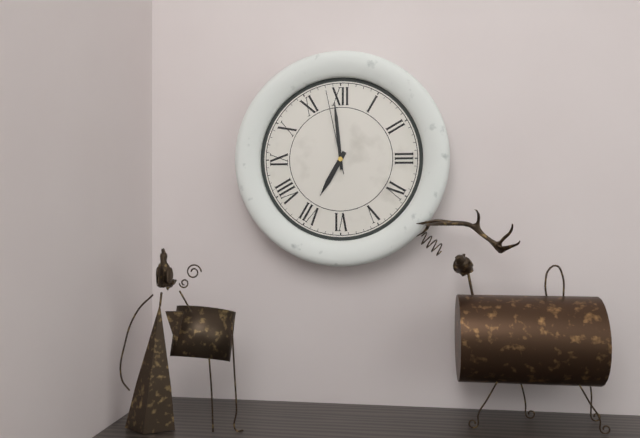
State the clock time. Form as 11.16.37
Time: 6.59.58
